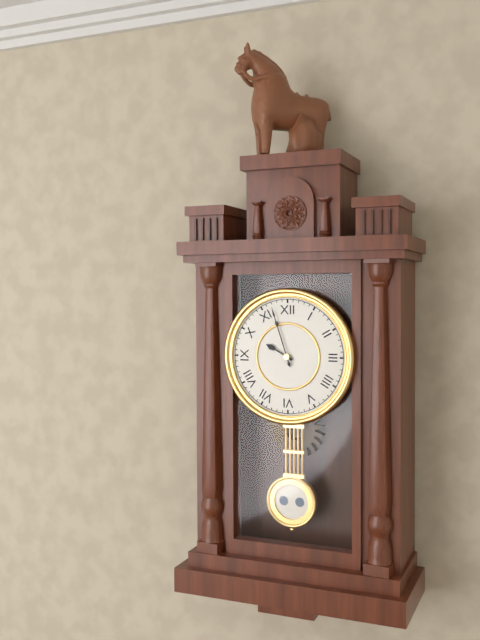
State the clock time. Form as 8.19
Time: 9.57
